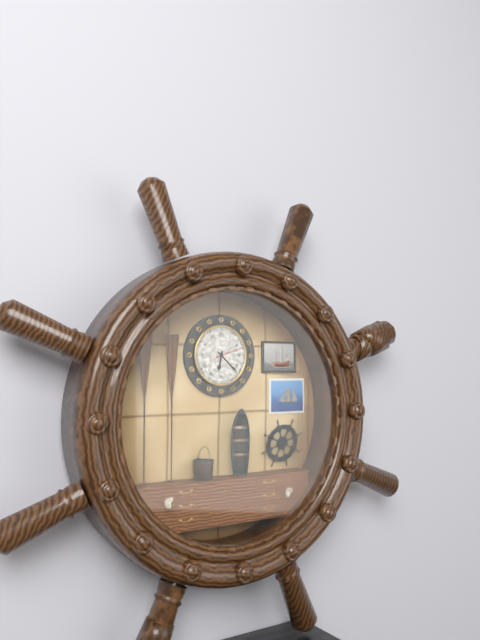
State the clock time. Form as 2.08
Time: 6.22
